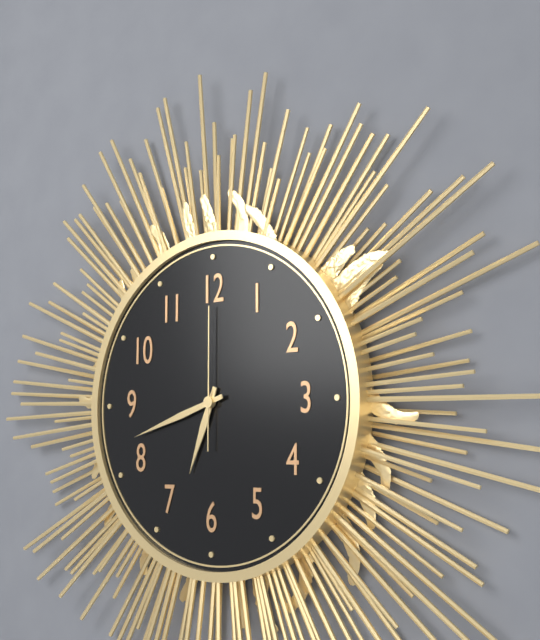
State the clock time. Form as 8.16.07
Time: 6.42.00
